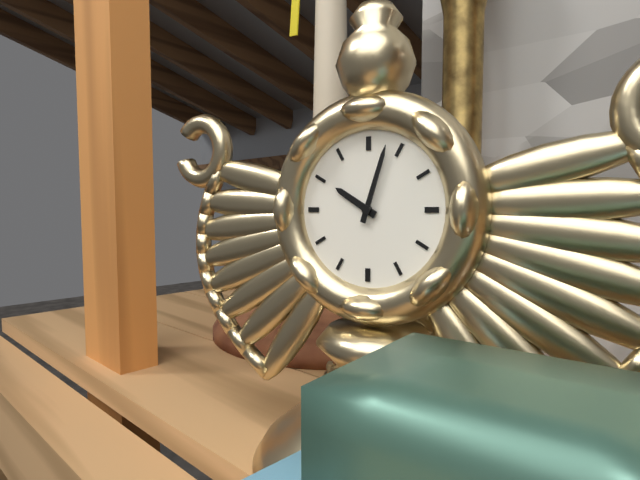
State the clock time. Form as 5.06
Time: 10.03
